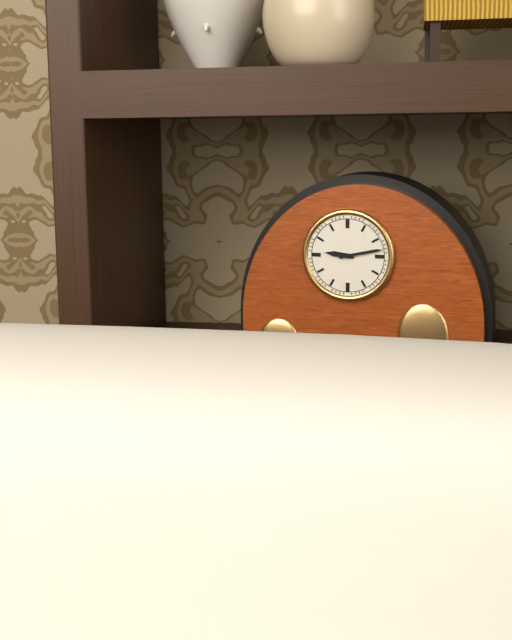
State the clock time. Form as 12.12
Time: 9.13
